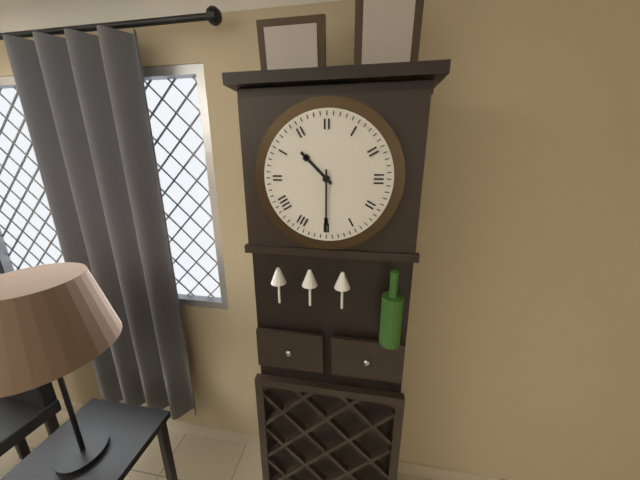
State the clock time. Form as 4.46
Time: 10.30
